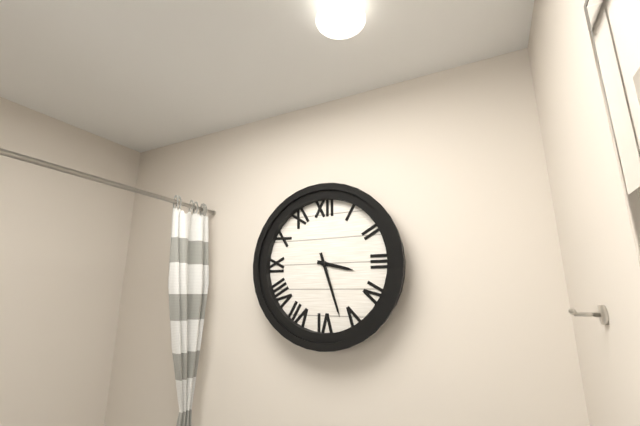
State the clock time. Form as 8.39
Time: 3.27
